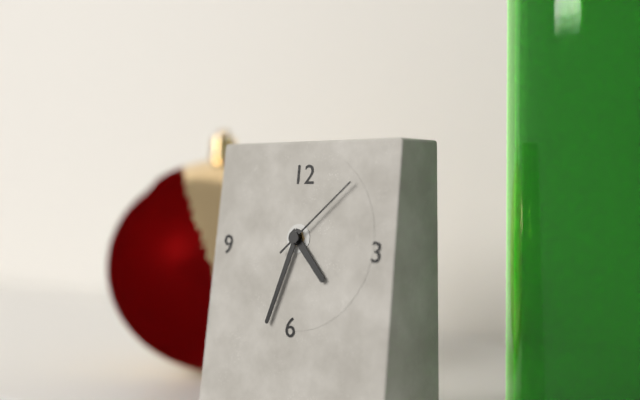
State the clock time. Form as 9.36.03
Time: 4.33.08
